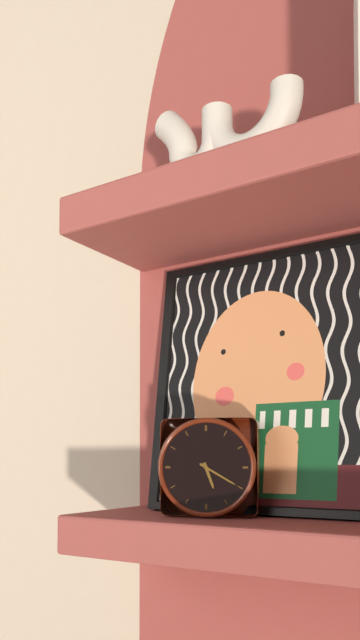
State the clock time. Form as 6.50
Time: 5.20
